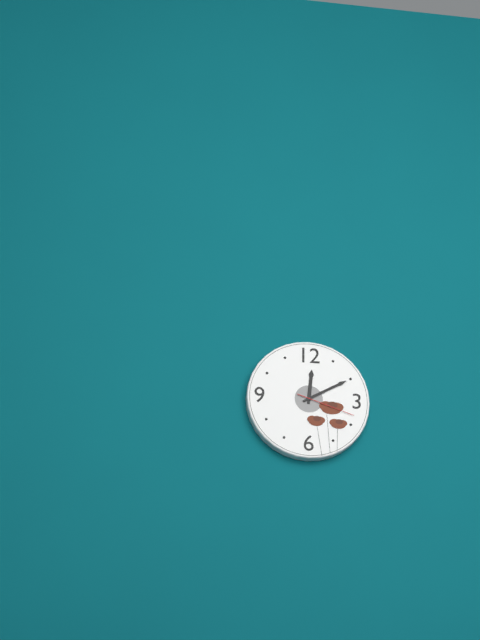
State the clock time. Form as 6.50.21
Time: 12.10.18
